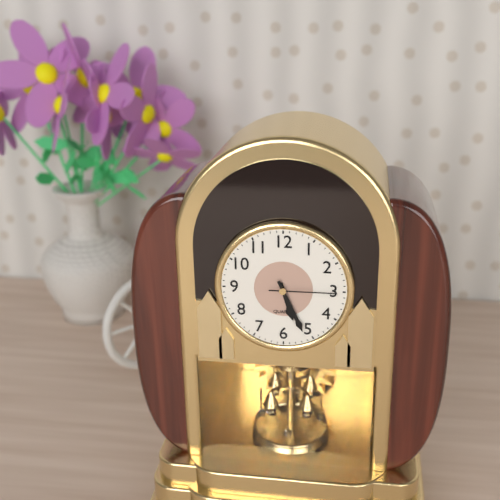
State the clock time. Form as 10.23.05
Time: 5.26.15
